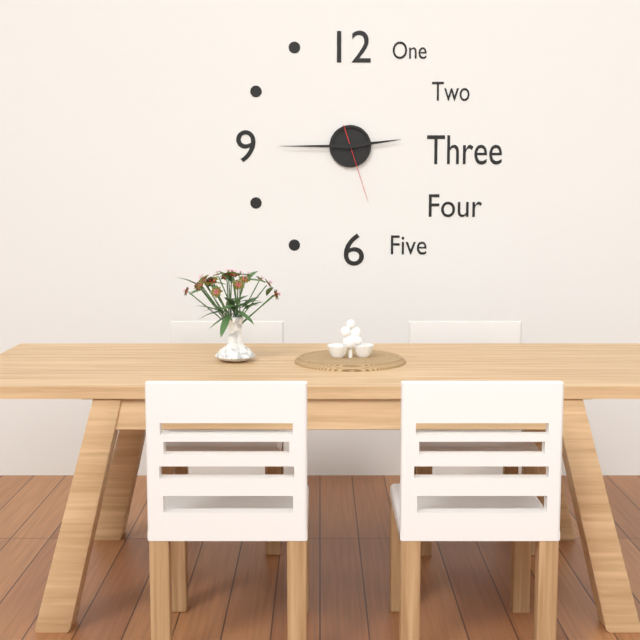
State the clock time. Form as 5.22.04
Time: 2.45.27
